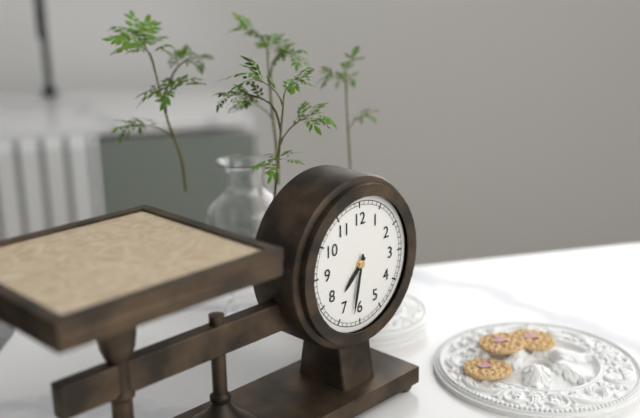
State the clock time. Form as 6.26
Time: 7.32
